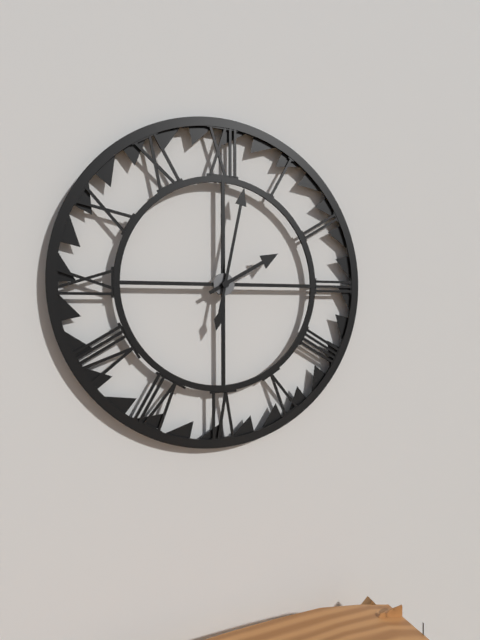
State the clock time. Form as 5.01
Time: 2.02
